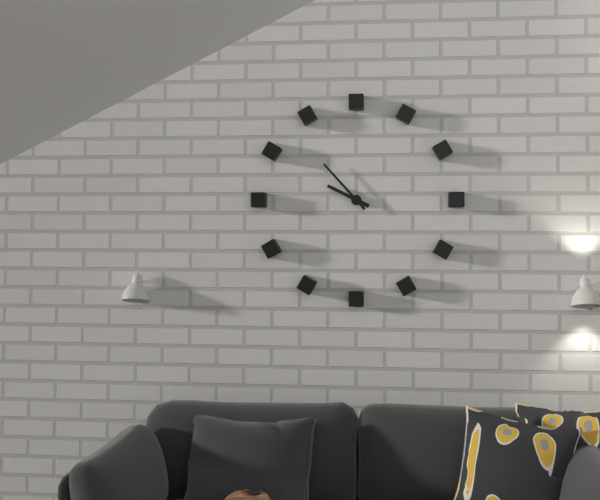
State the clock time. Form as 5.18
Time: 9.53
